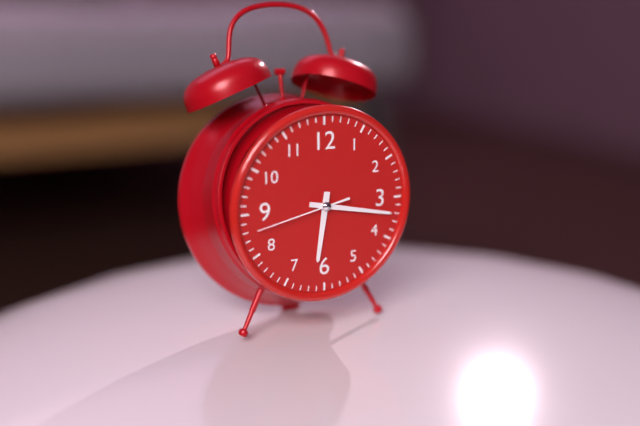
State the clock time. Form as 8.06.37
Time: 6.17.43
